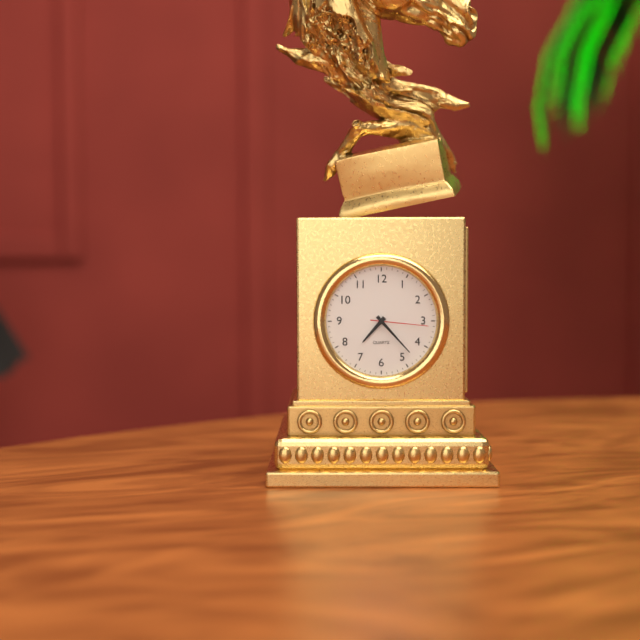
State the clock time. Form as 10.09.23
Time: 7.23.16
